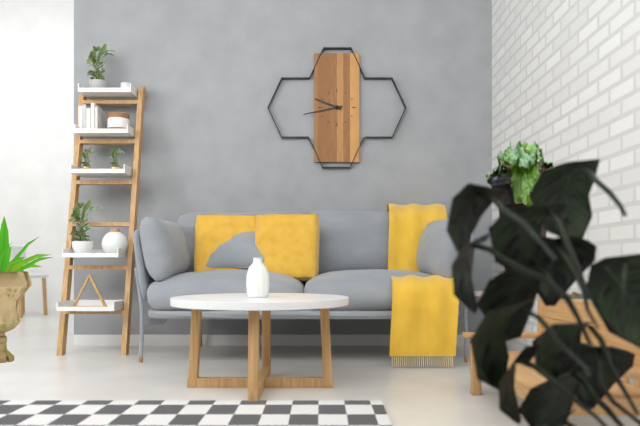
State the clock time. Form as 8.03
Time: 9.43
